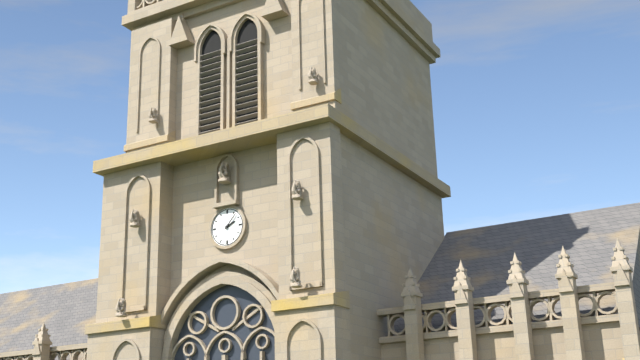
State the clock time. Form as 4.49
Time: 2.07
